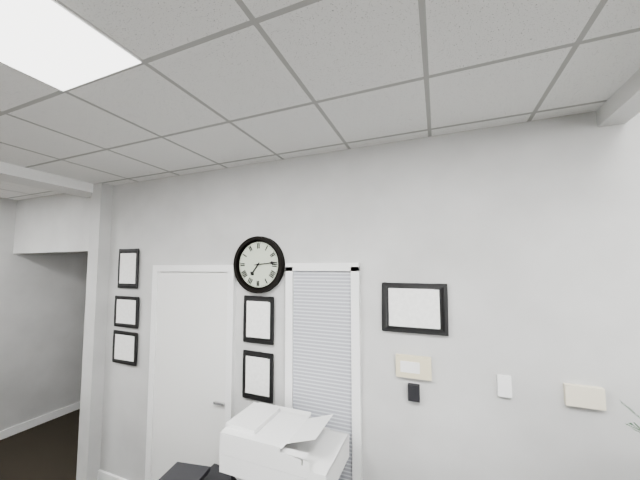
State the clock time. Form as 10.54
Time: 7.14
